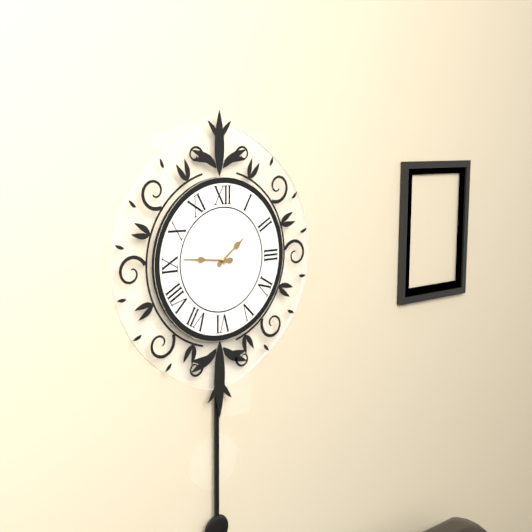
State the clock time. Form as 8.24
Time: 1.46
